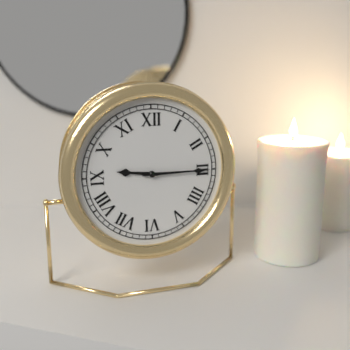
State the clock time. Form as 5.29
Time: 9.15
